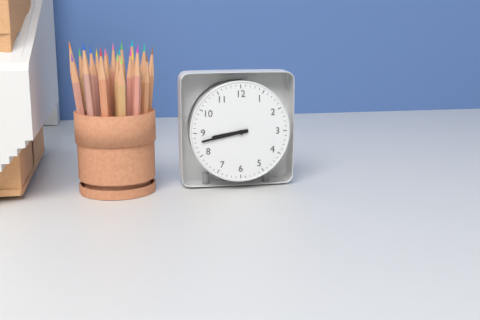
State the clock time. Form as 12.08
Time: 8.43
